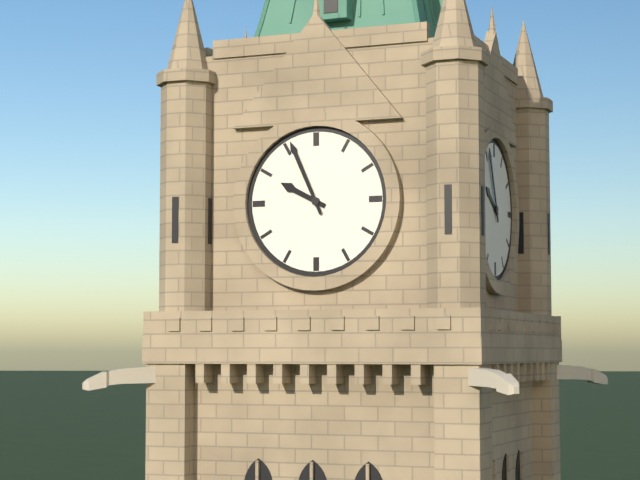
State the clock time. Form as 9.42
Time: 9.56
